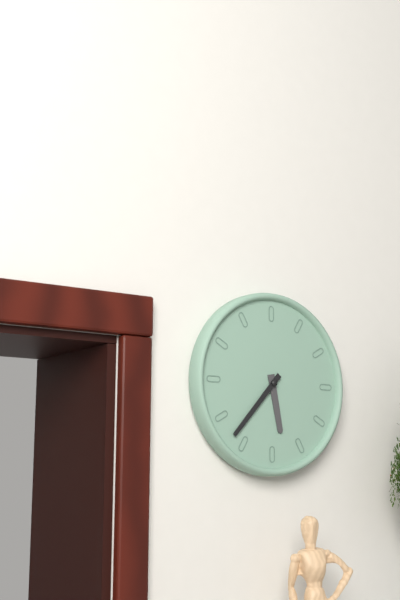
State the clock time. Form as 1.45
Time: 5.37
